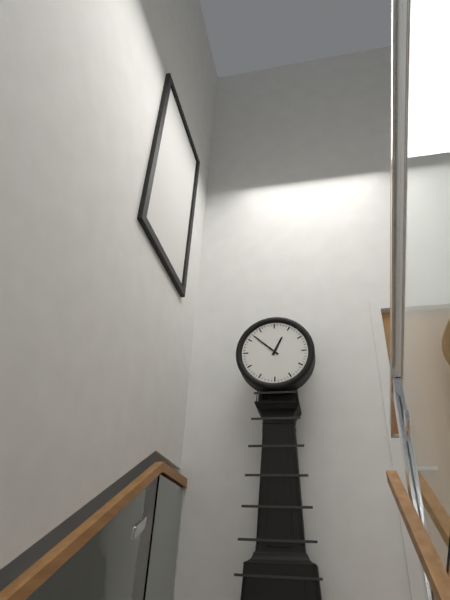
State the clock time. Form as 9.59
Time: 12.52
